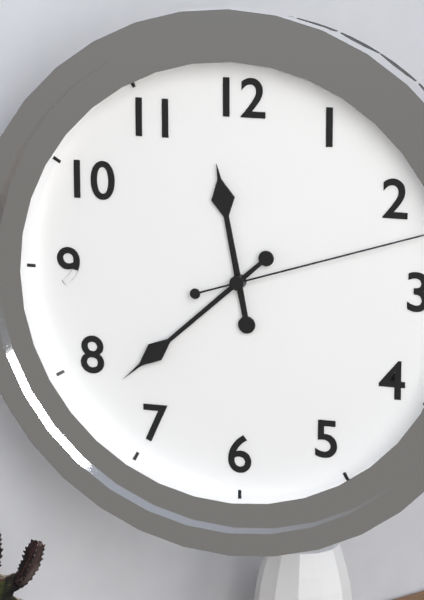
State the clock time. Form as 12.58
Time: 11.38
